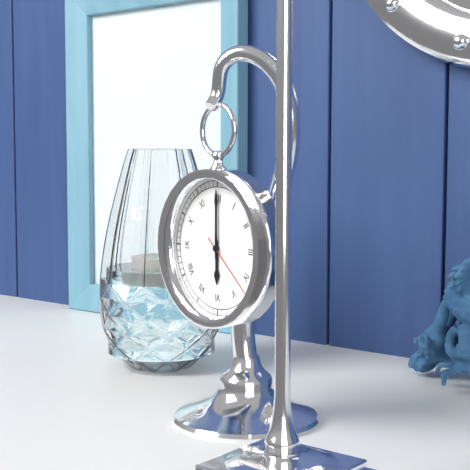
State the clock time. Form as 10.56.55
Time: 6.00.22
